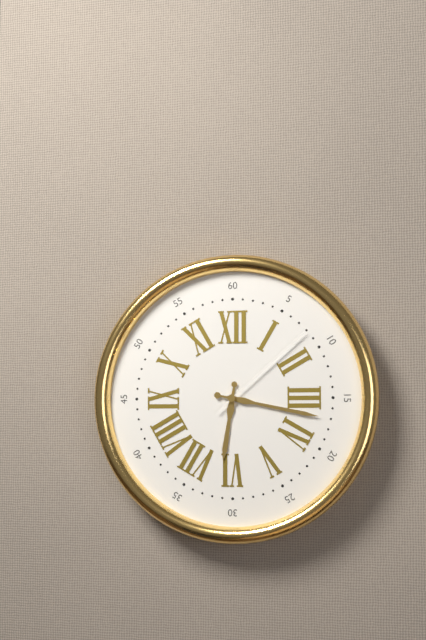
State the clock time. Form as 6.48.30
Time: 6.17.08
